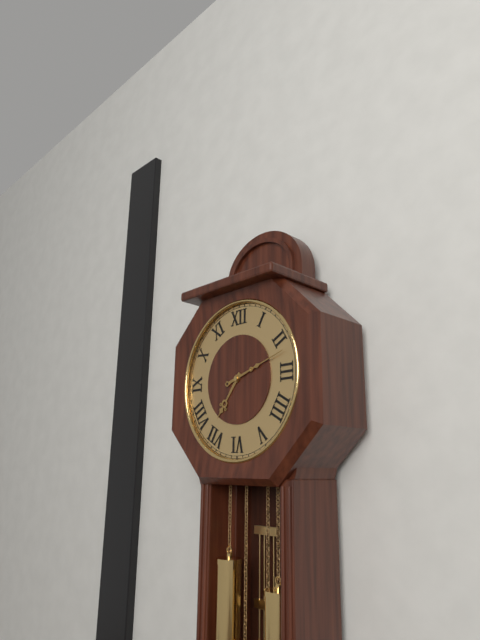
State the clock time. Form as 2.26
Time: 7.12
